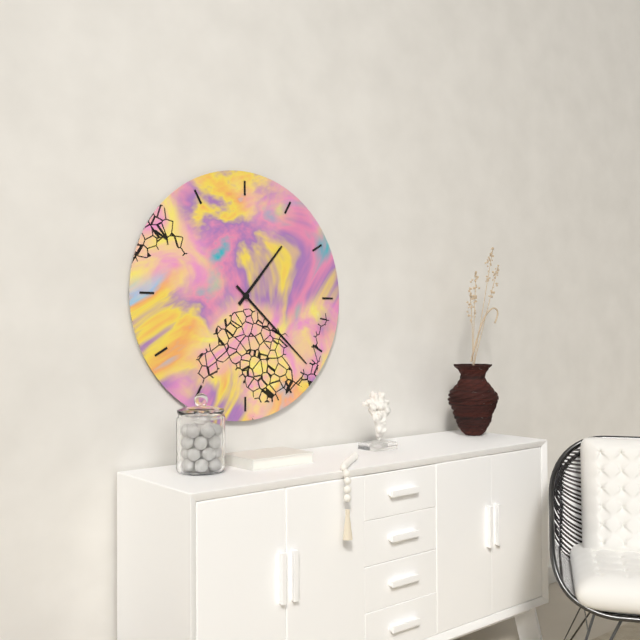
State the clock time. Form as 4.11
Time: 1.22
